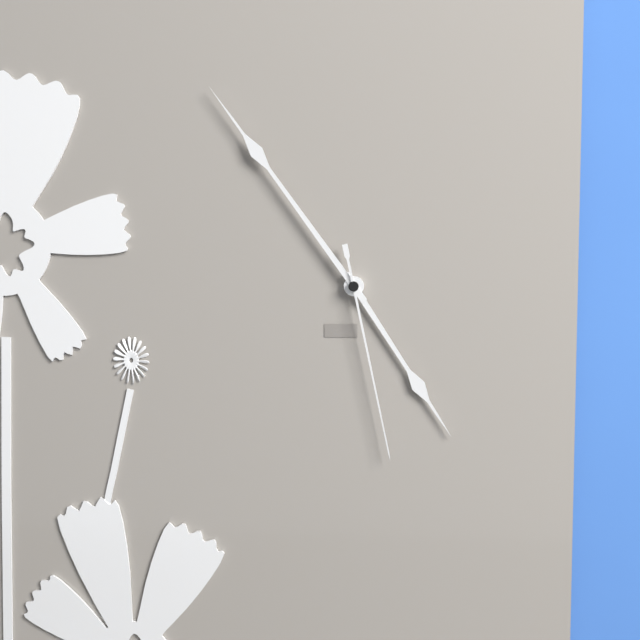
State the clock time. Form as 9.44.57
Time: 4.54.28
